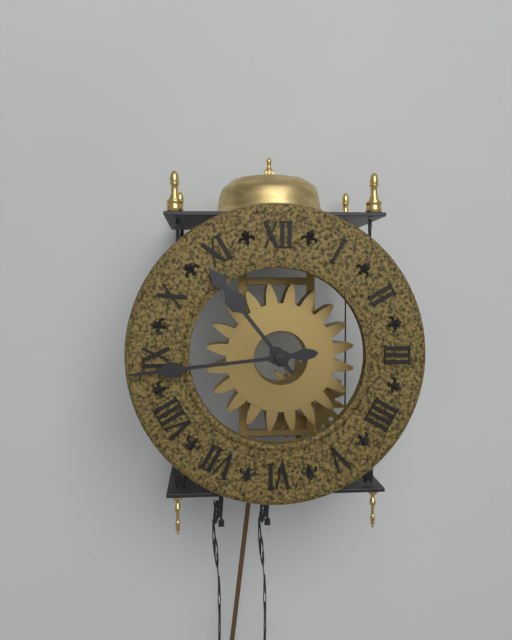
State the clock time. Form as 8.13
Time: 10.44
